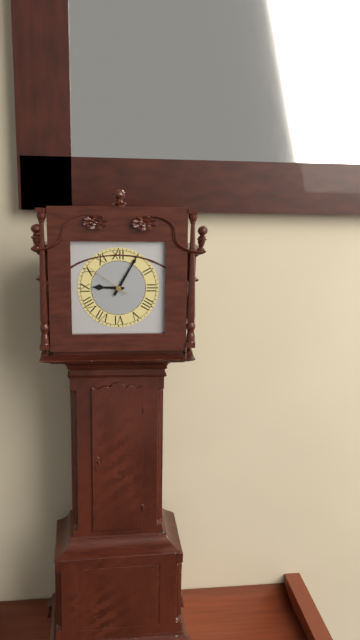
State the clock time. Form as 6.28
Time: 9.05
